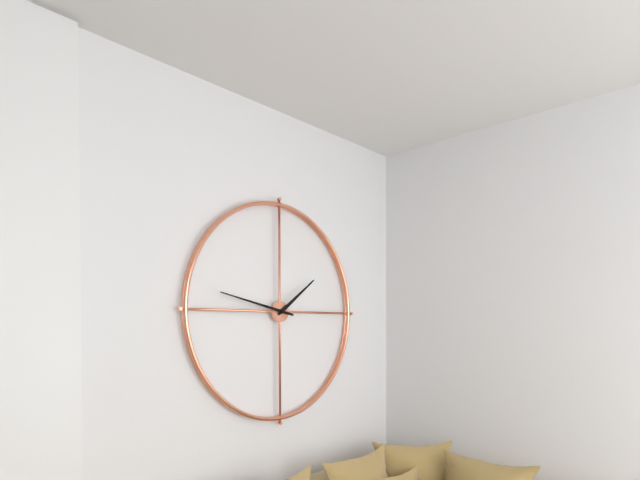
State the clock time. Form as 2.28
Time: 1.47
